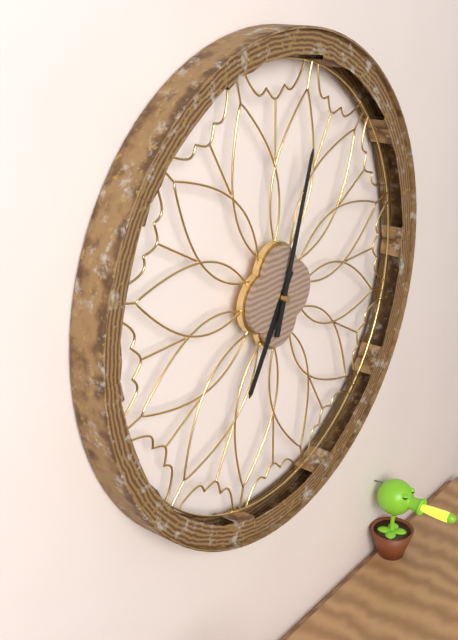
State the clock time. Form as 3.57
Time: 7.03
